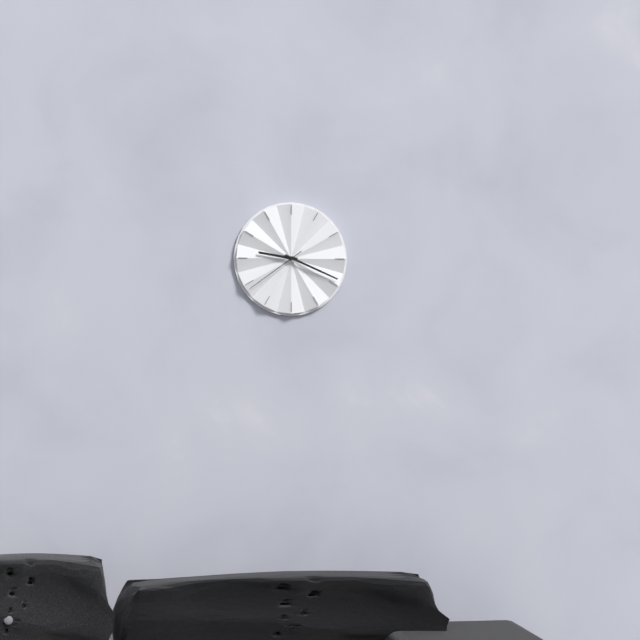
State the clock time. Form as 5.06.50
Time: 9.19.39
